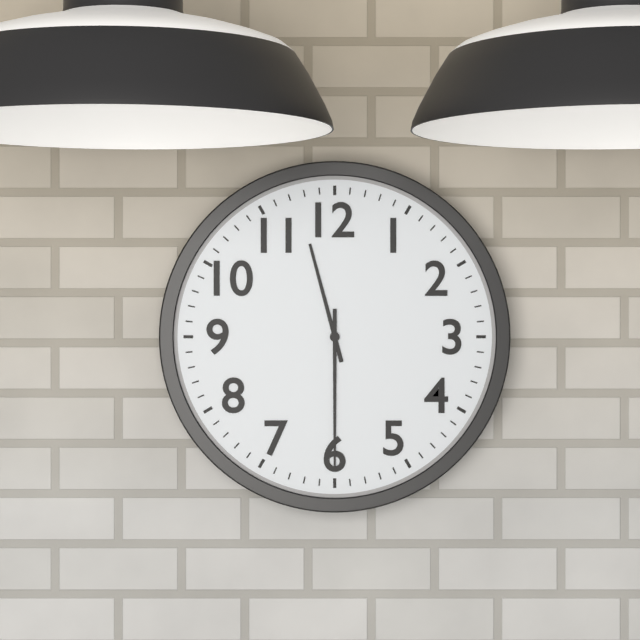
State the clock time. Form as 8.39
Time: 11.30
